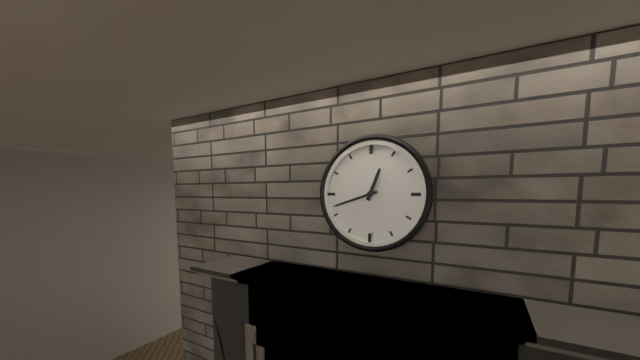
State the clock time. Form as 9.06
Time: 12.42
